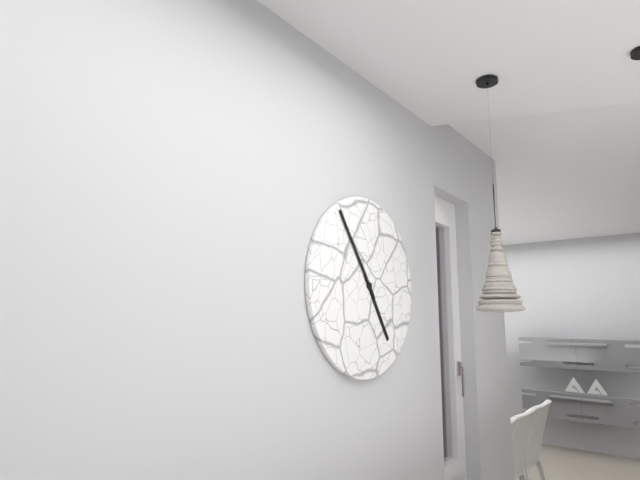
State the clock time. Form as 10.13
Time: 4.54
